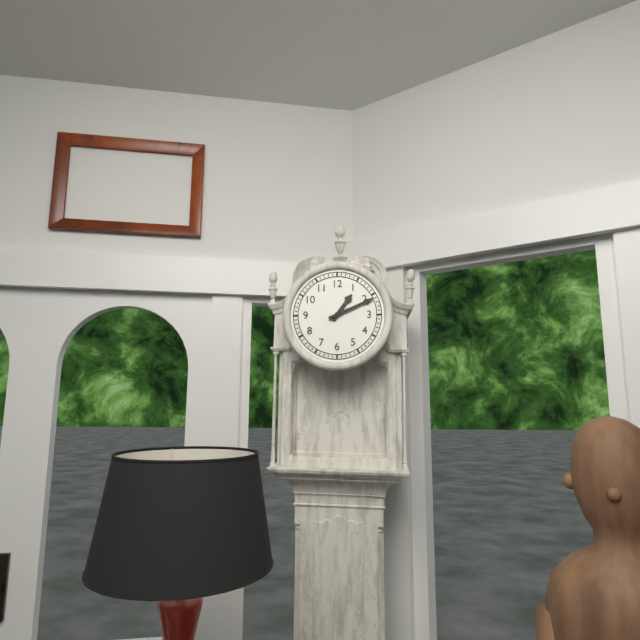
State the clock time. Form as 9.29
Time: 1.11
